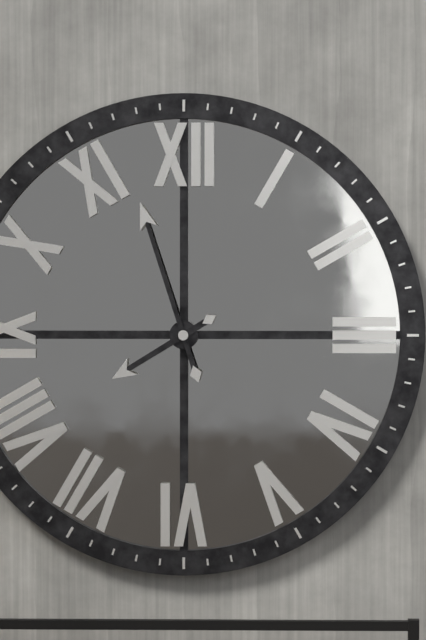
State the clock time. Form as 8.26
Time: 7.57
